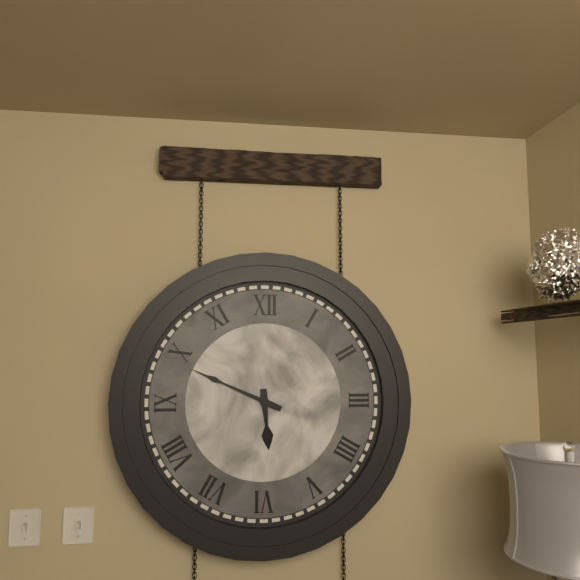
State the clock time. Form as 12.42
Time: 5.49
